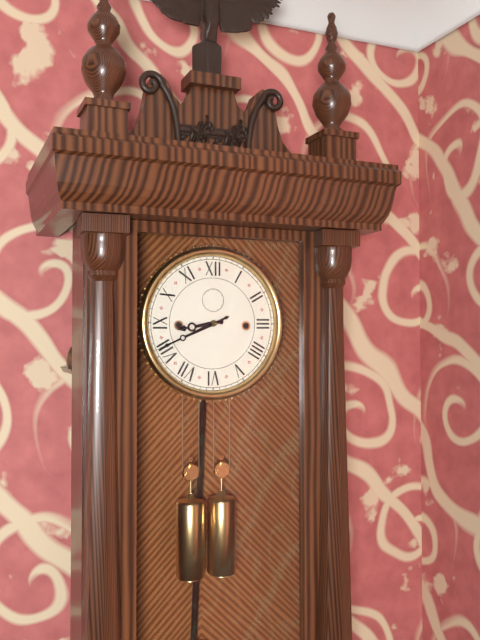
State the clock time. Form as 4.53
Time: 8.41
